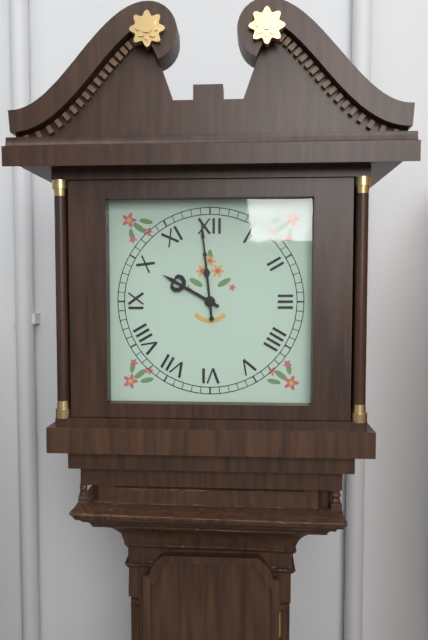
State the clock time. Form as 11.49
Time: 9.59
